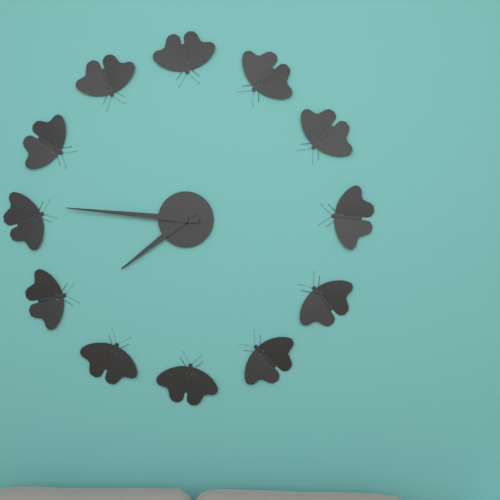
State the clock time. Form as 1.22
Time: 7.46
